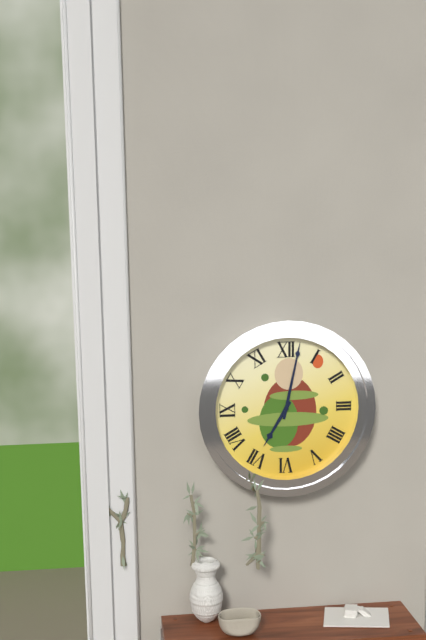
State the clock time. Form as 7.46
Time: 7.02
